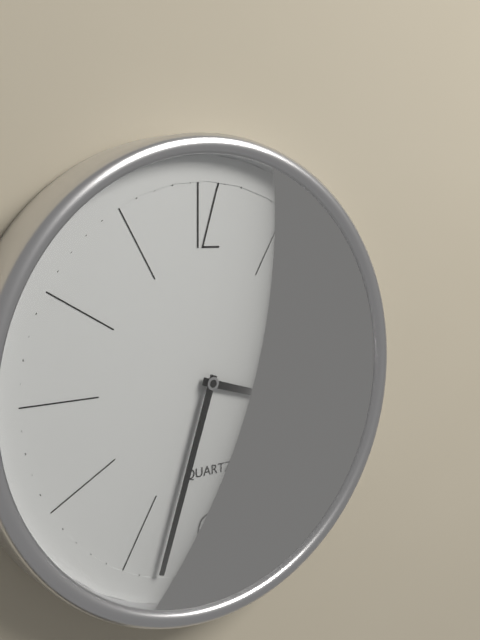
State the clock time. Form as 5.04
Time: 3.33
